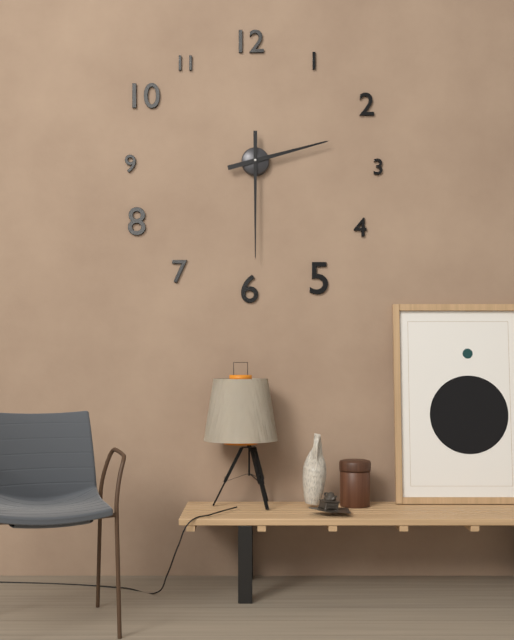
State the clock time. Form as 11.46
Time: 2.30
